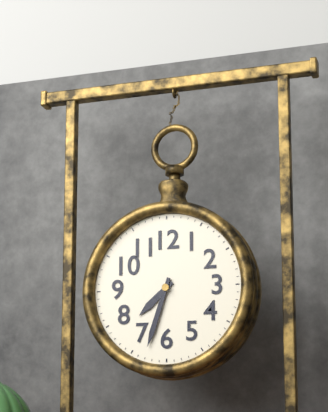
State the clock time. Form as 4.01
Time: 7.33
